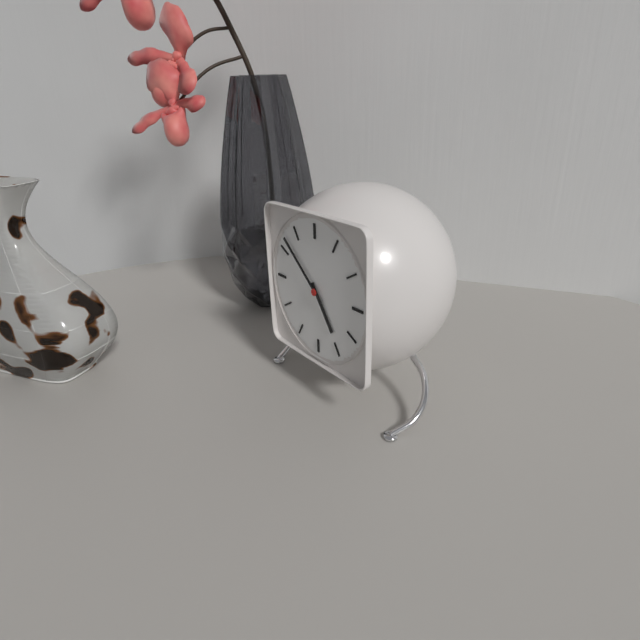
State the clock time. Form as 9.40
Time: 4.52
